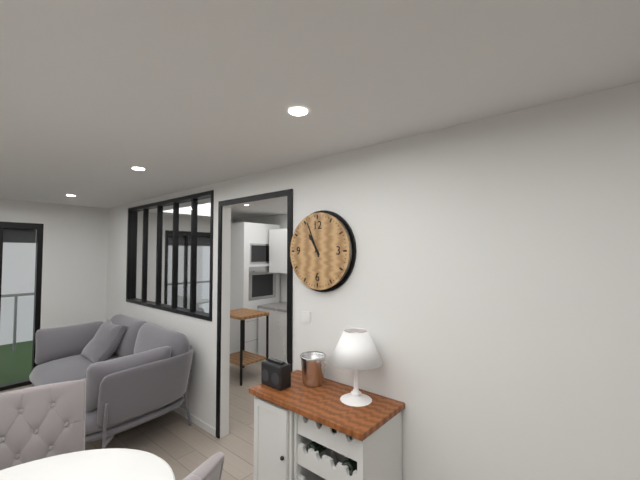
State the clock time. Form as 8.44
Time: 10.56
